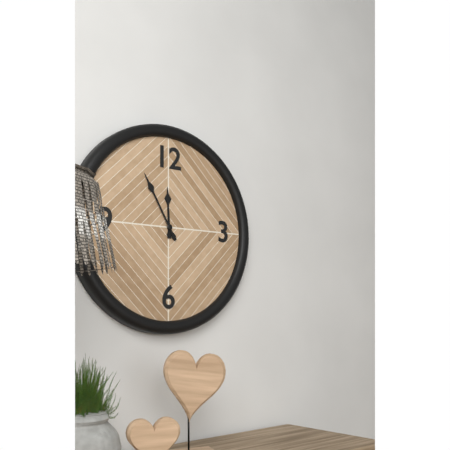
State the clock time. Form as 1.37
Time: 11.55
